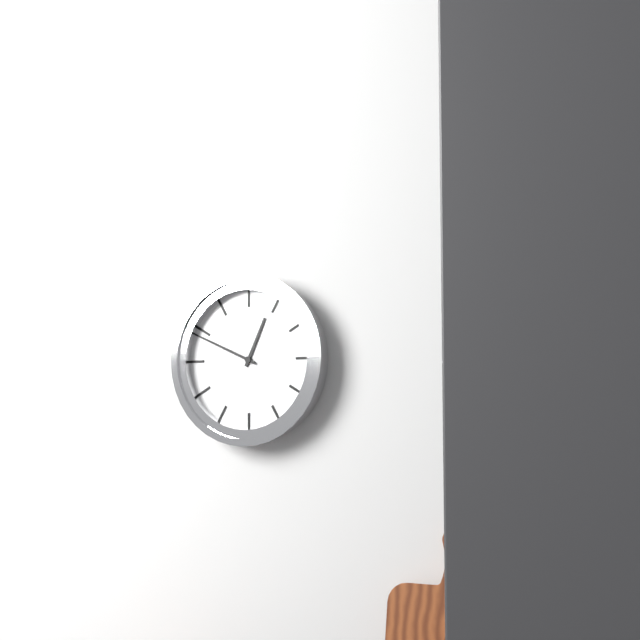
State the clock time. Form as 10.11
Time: 12.49
